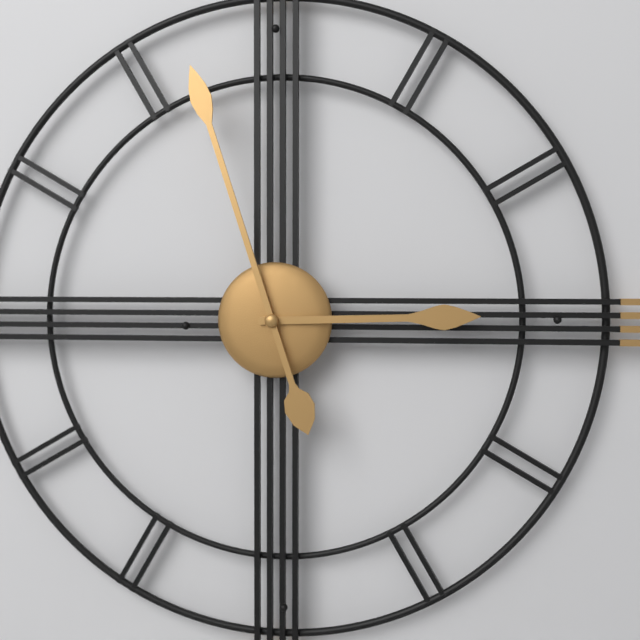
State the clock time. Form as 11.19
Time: 2.57
